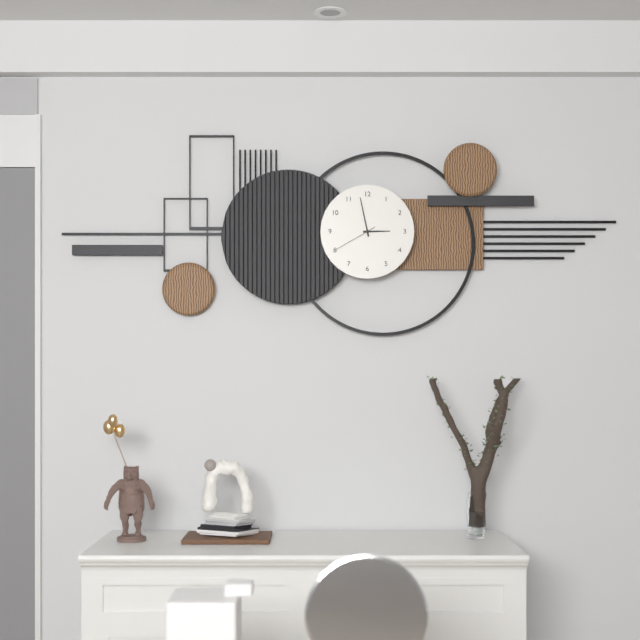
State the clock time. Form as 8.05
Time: 2.58
